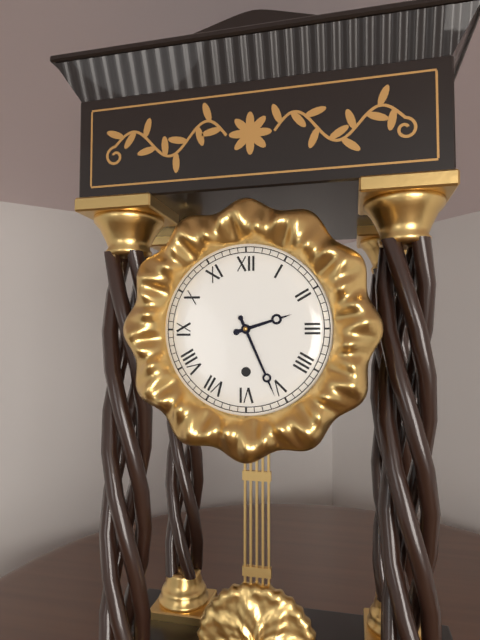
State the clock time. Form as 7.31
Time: 2.26
